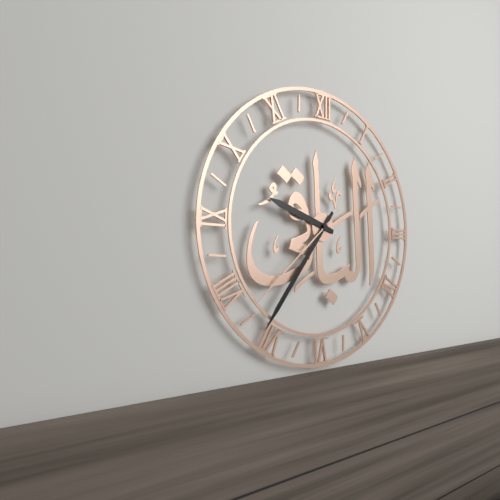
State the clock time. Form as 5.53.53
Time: 9.36.38
